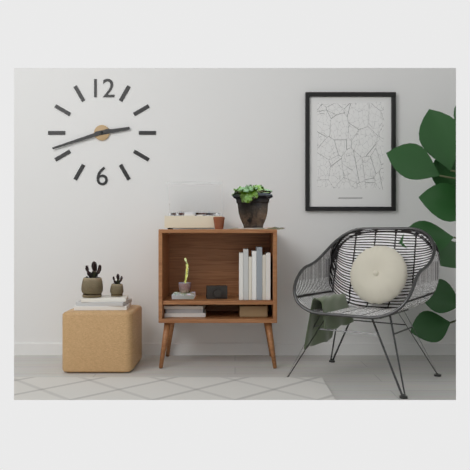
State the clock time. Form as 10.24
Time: 2.42
